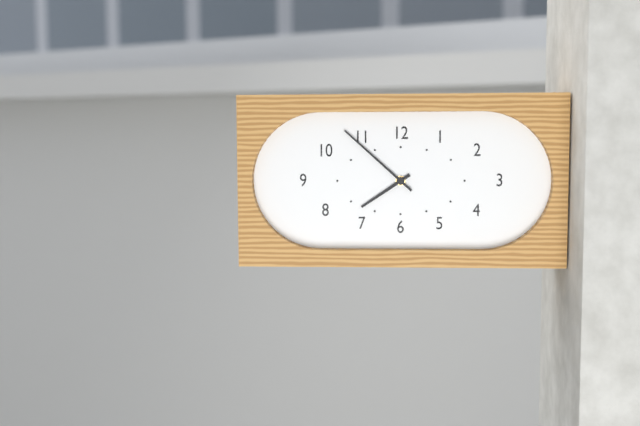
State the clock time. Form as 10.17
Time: 7.52
